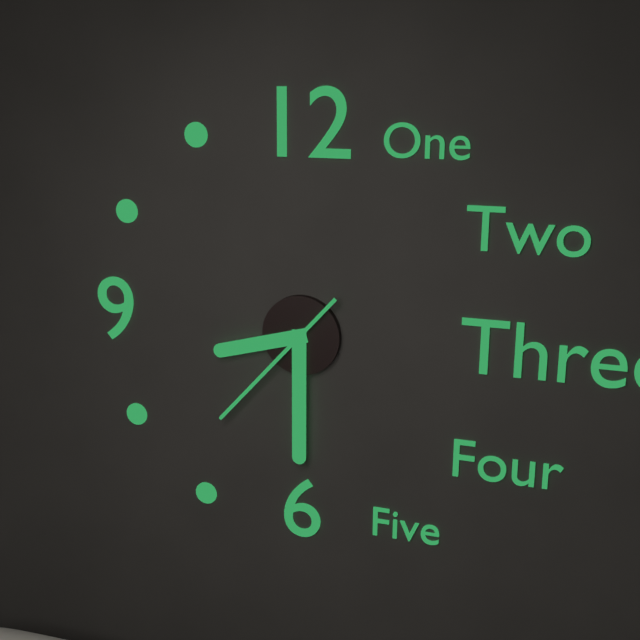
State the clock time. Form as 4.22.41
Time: 8.30.37
